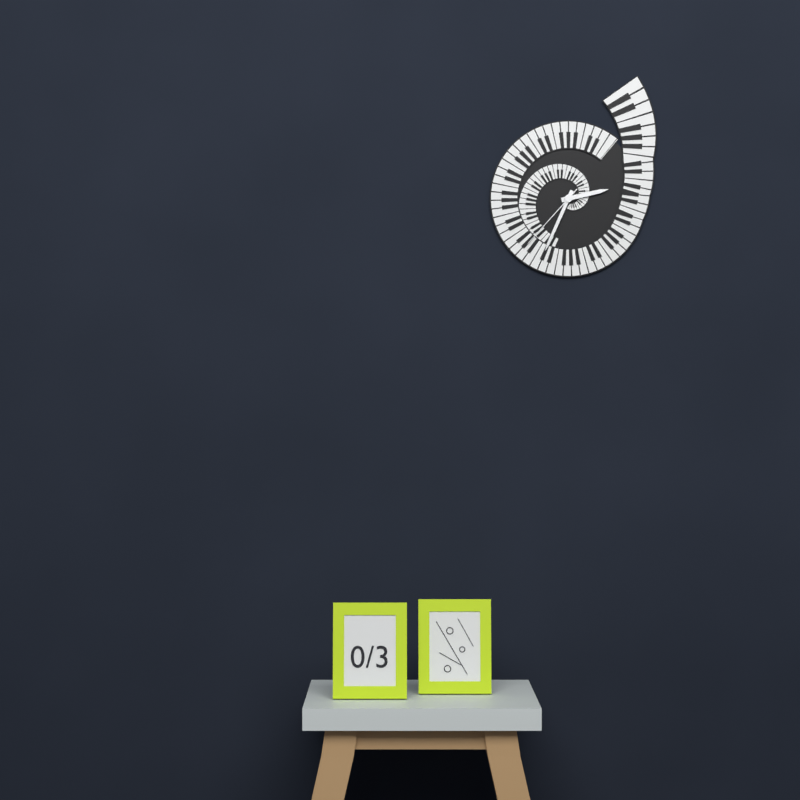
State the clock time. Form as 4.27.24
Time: 2.34.37
